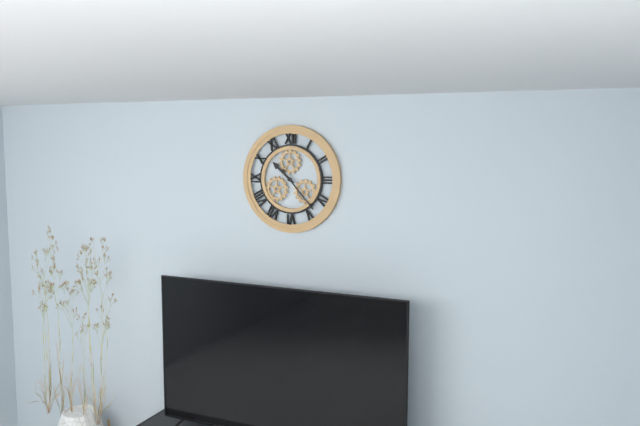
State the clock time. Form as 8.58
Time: 10.23
